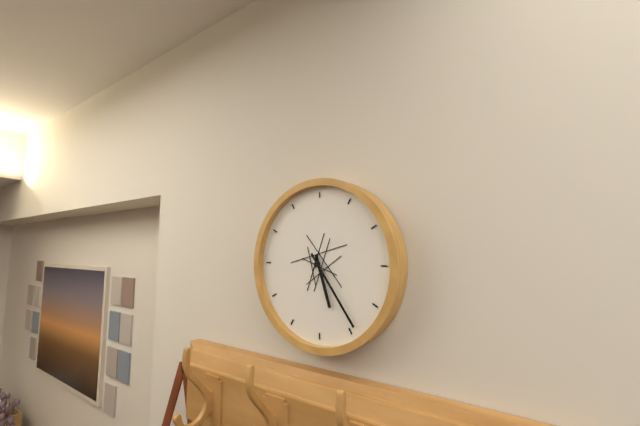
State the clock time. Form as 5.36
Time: 5.24
